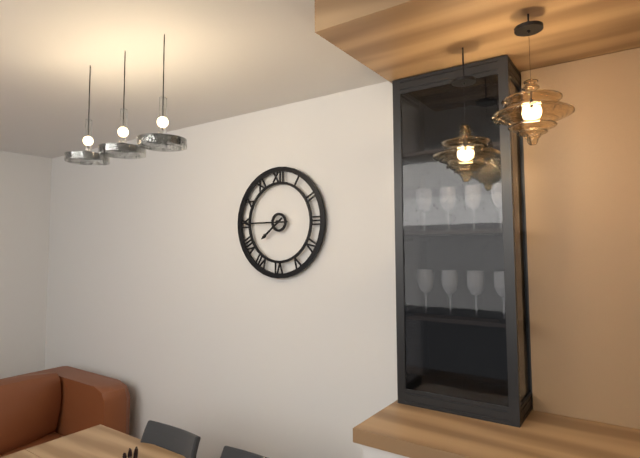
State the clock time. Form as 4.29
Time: 7.45
